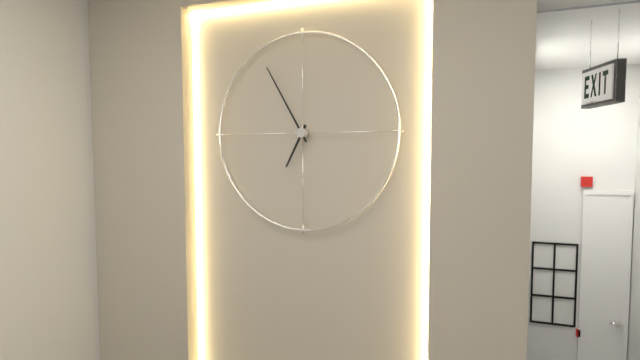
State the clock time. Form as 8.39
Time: 6.55
